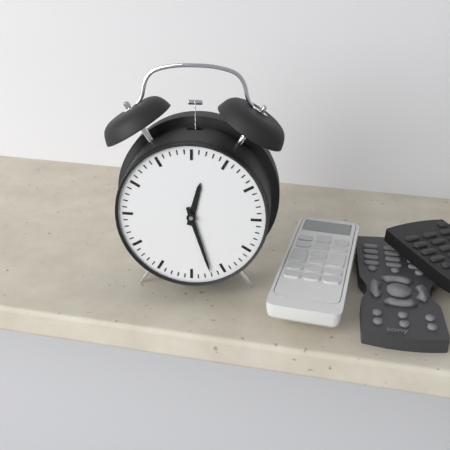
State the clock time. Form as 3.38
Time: 12.27
